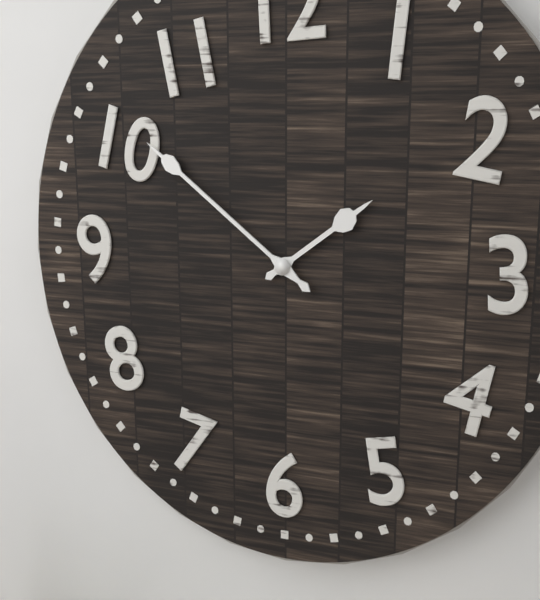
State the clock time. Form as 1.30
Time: 1.51
